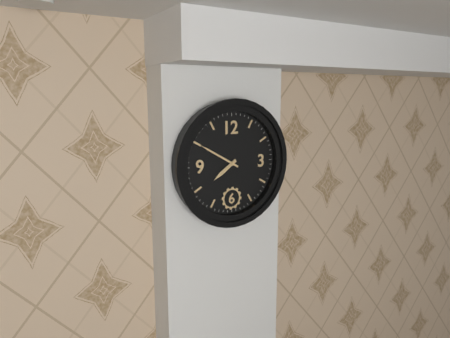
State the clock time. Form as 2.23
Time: 7.50
